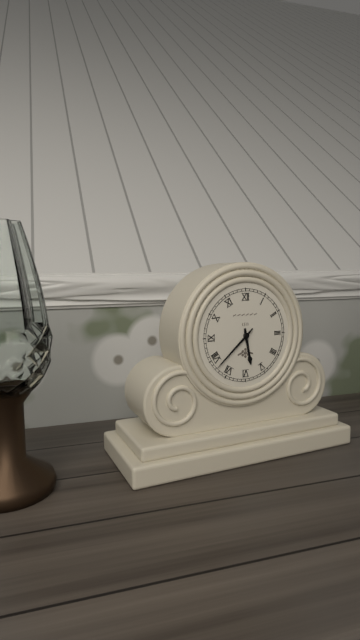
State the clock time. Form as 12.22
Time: 5.38
